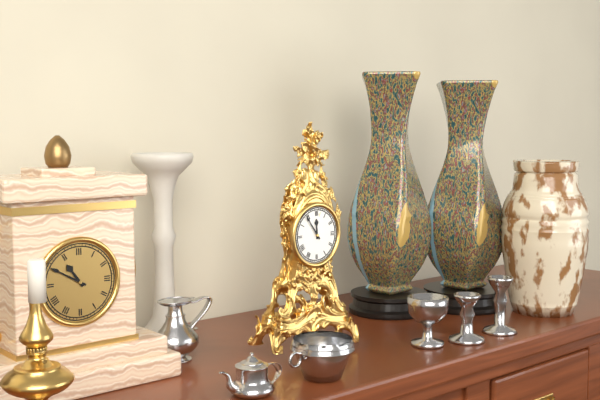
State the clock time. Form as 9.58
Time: 11.54
